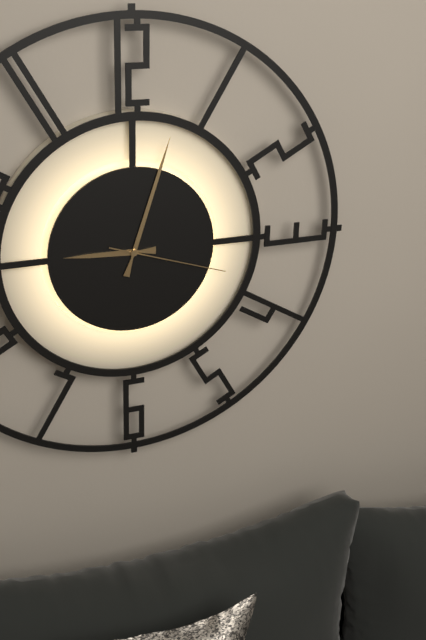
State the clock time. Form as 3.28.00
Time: 9.03.18
